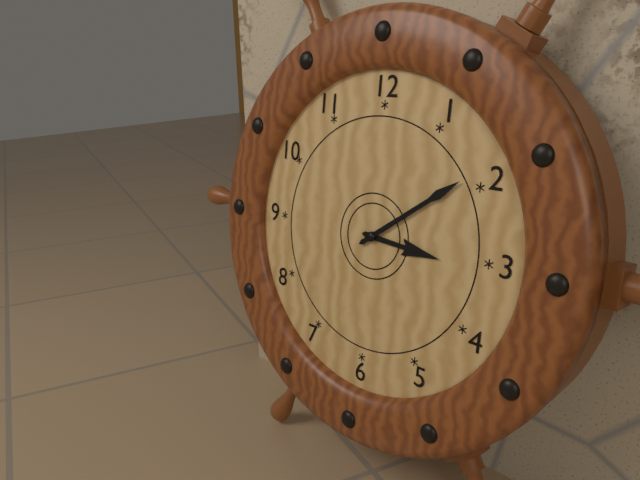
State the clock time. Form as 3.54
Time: 3.09
